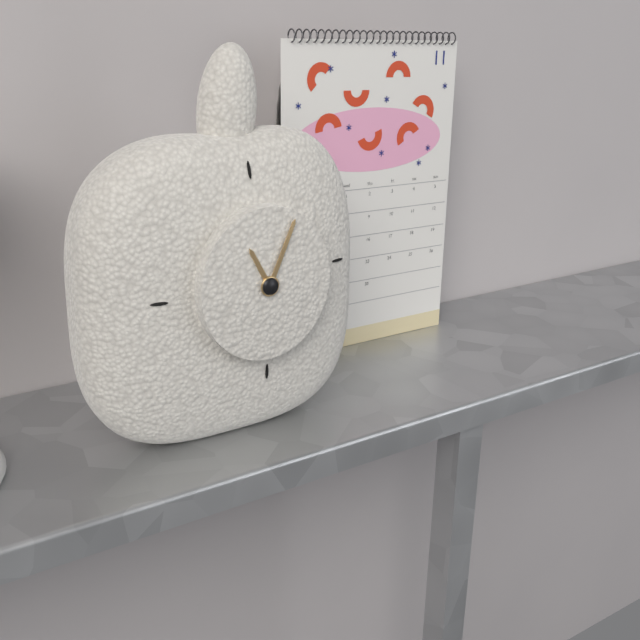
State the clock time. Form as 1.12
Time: 11.04
